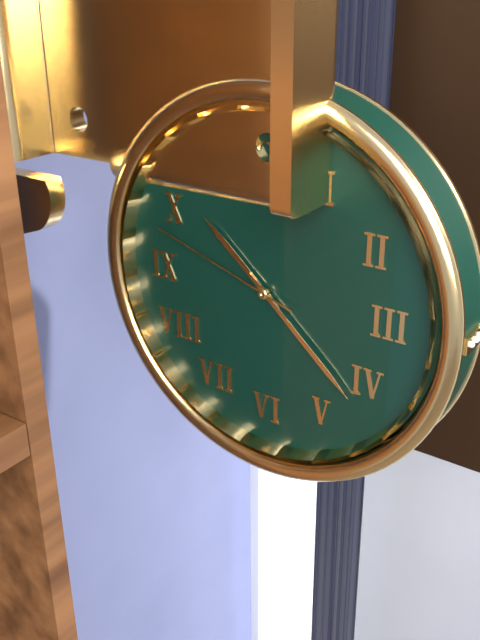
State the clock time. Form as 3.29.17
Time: 10.22.48
